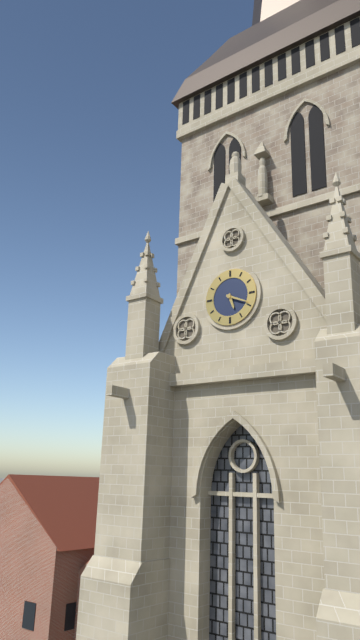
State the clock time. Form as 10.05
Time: 5.19
